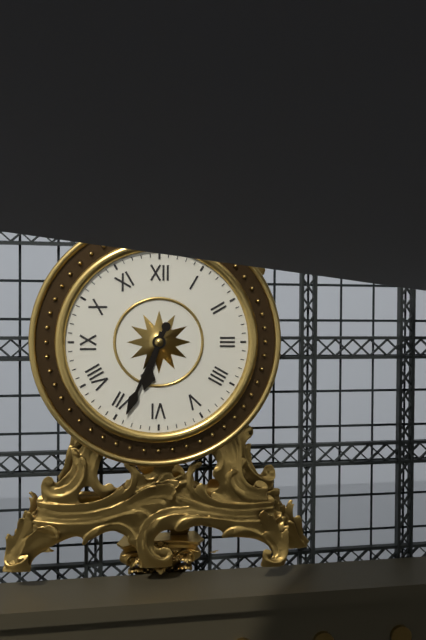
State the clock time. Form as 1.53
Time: 6.34
